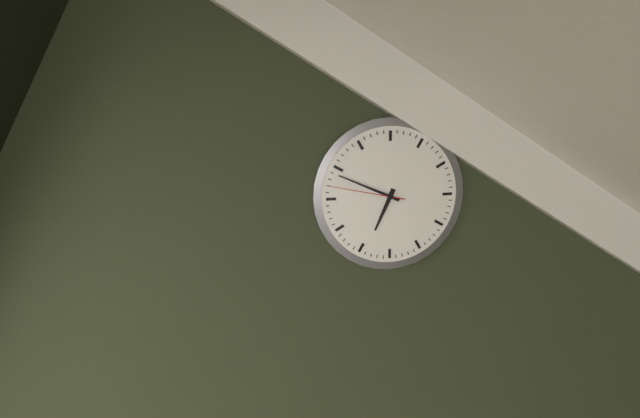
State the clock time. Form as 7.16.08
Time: 6.49.47
